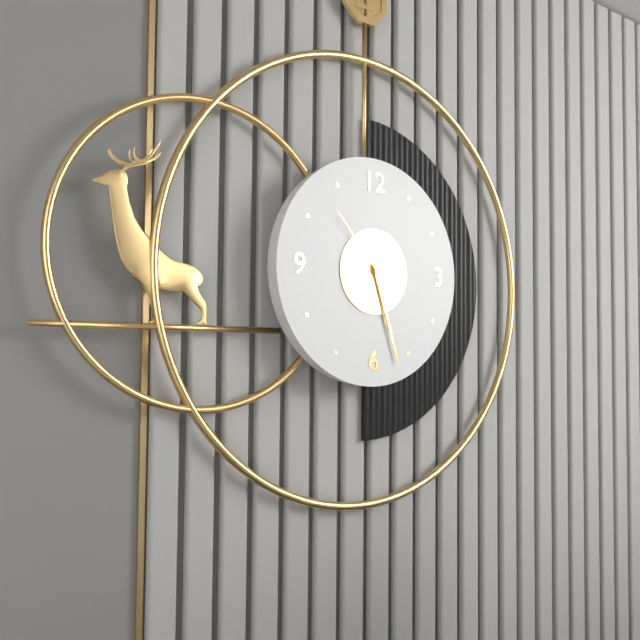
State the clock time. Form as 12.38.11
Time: 5.27.53
